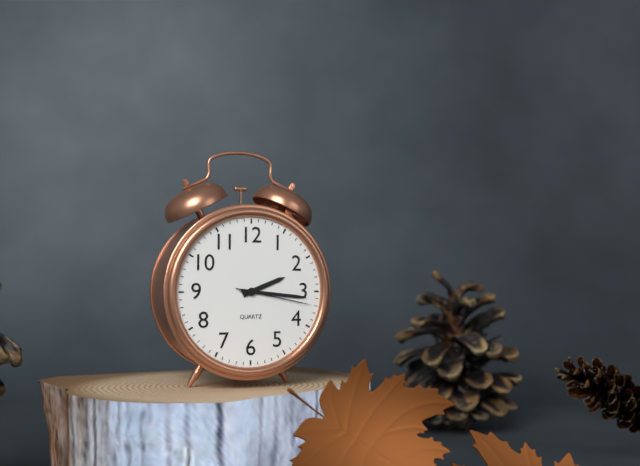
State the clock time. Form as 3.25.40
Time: 2.16.17
